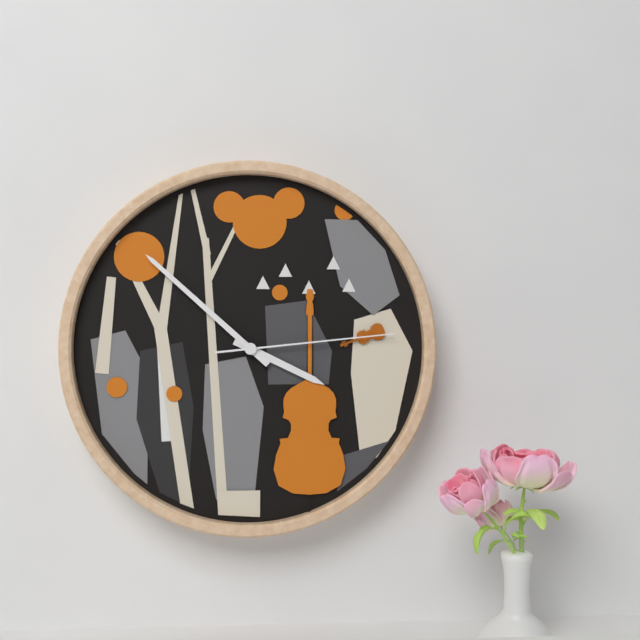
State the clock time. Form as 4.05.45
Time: 3.52.14
